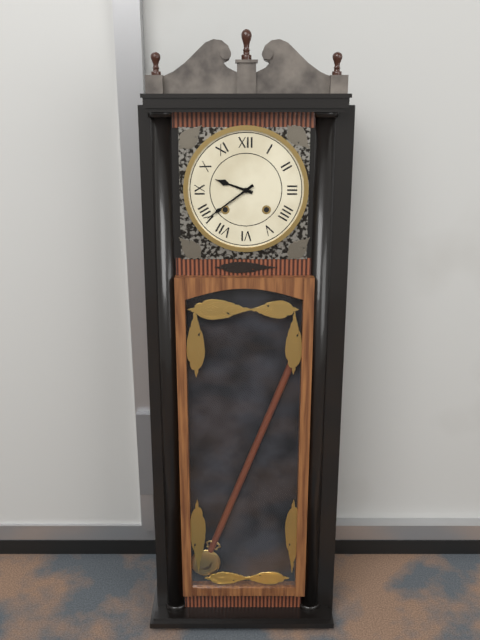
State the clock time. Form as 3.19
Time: 9.39
